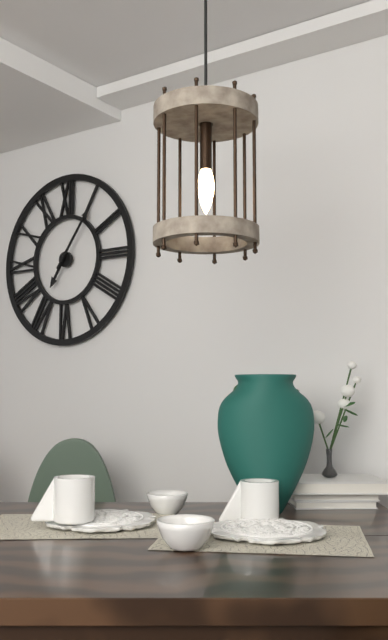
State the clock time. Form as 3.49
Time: 7.06
